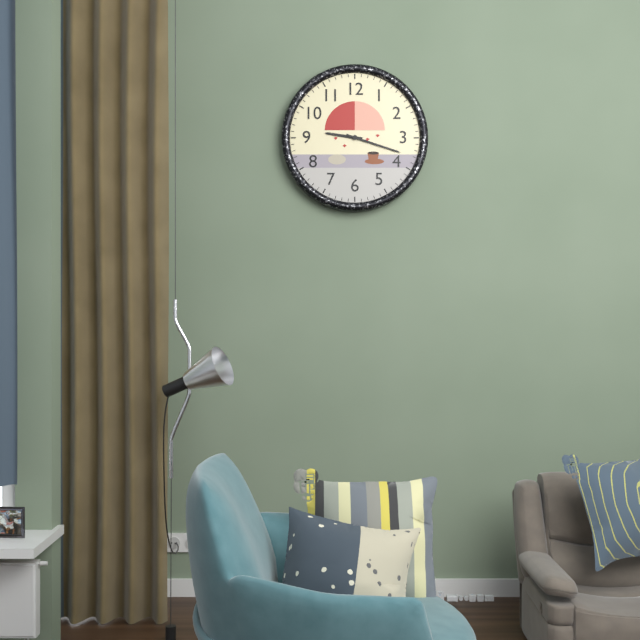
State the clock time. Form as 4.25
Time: 9.18
